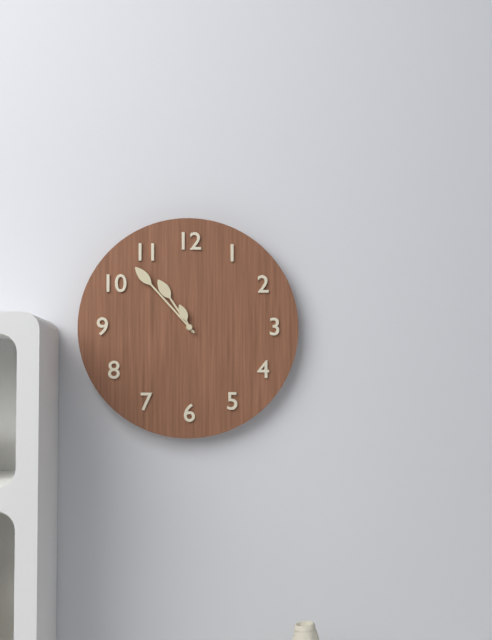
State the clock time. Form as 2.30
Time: 10.53
